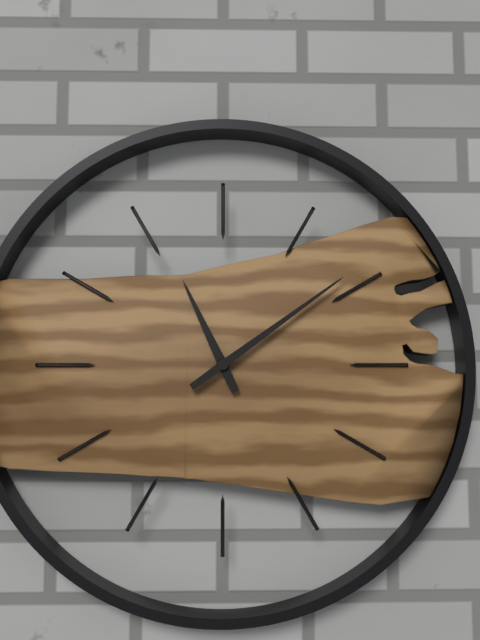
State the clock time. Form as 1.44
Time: 11.09
